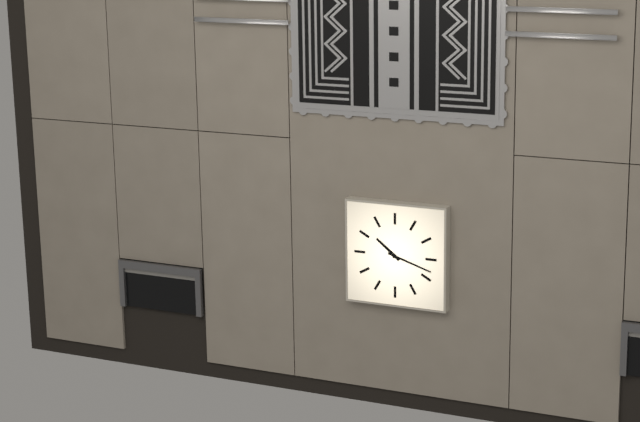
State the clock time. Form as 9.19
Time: 10.18
